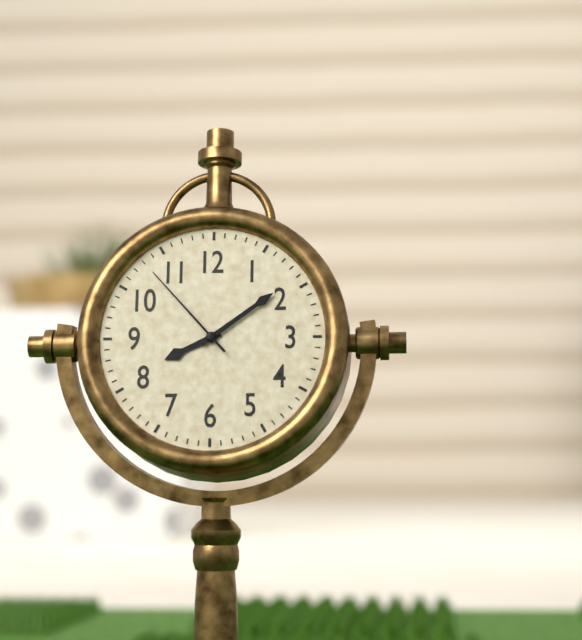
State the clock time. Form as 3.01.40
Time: 8.09.53
